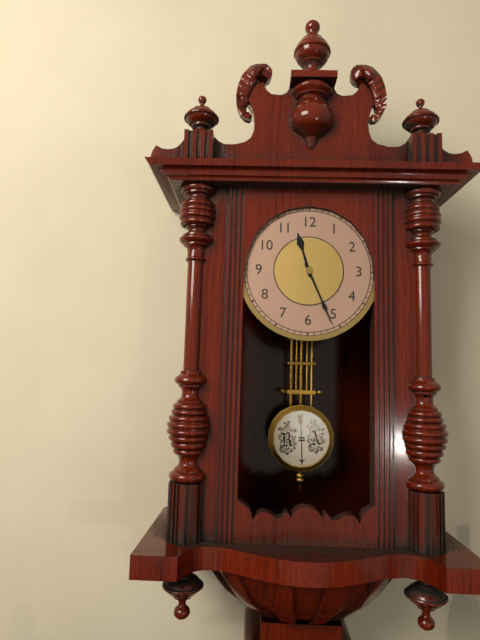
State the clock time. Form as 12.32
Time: 11.26
